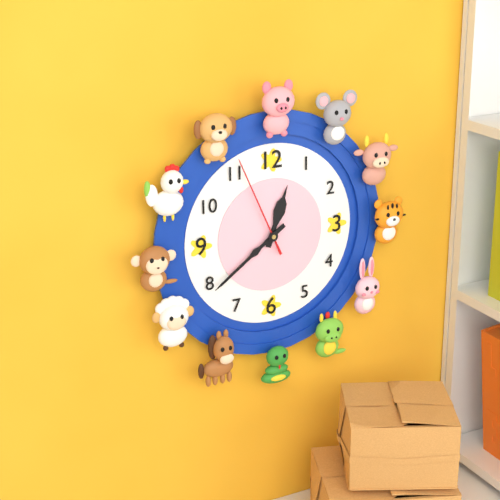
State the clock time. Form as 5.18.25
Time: 12.39.56
